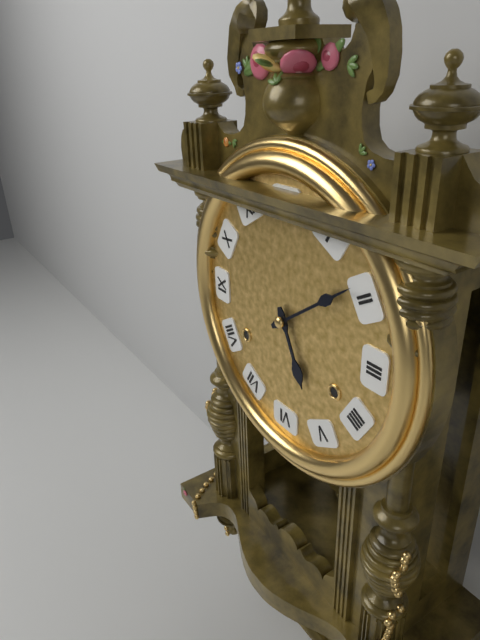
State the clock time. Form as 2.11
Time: 5.09
